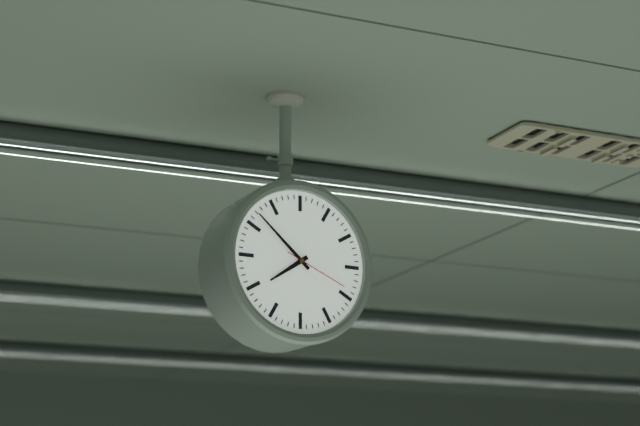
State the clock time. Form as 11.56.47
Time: 7.52.19
